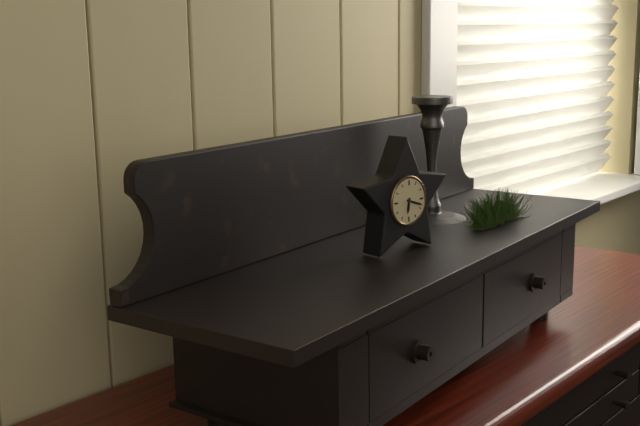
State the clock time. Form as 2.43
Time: 6.18
